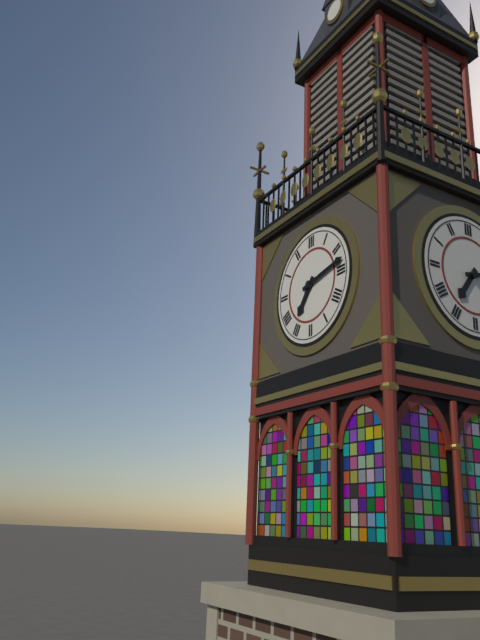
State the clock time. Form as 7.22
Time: 7.13
